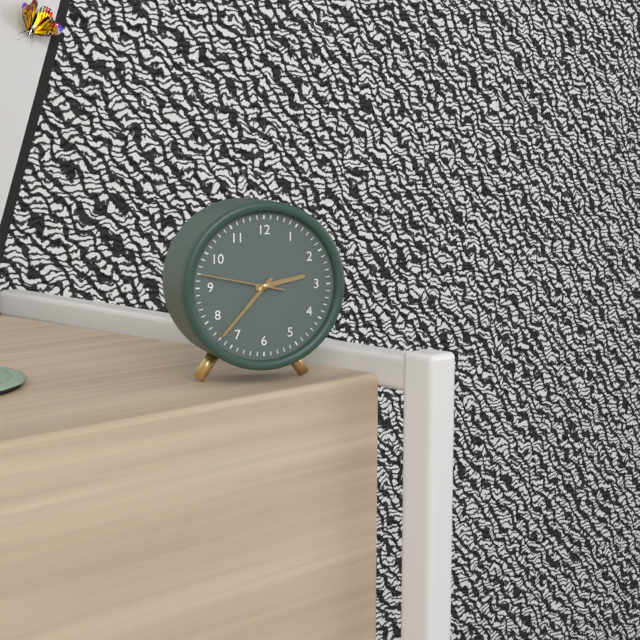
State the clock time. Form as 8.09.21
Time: 2.37.47
